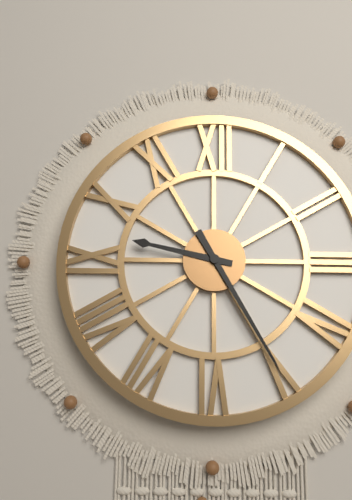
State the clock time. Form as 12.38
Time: 9.25
